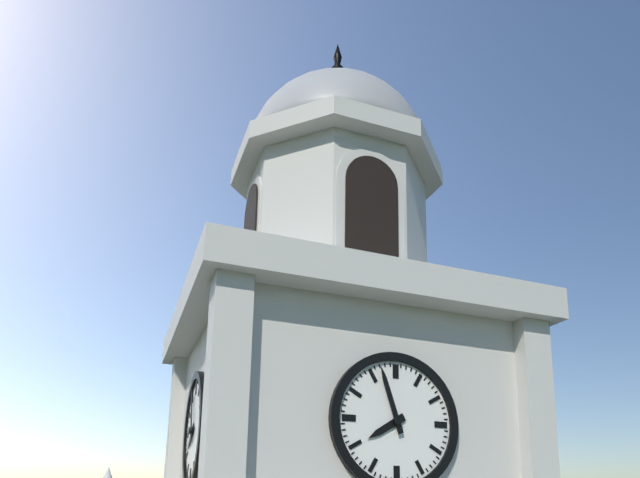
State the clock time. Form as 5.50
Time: 7.57
